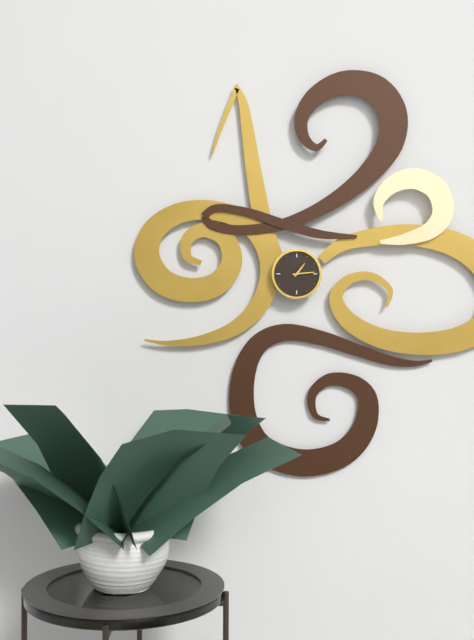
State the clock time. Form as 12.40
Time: 1.14
